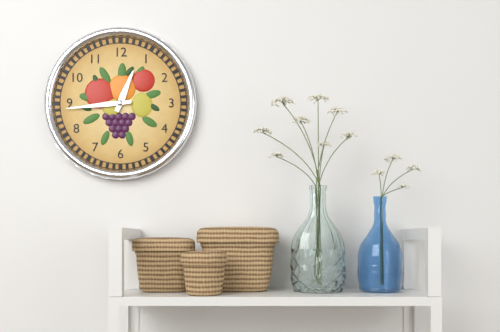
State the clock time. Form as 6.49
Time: 12.44
